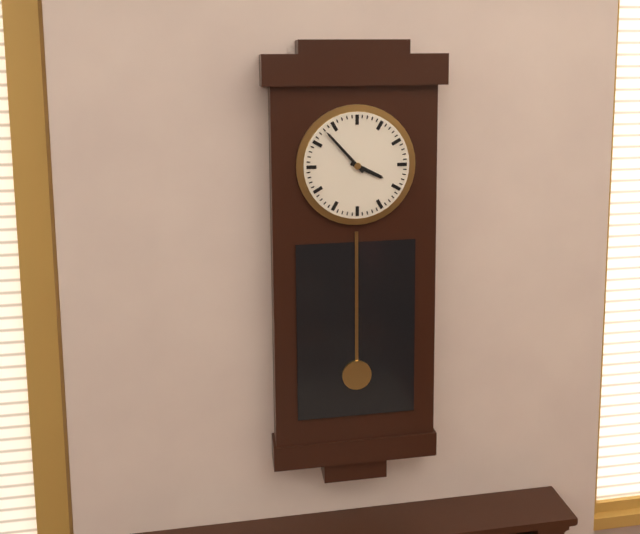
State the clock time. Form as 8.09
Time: 3.53
